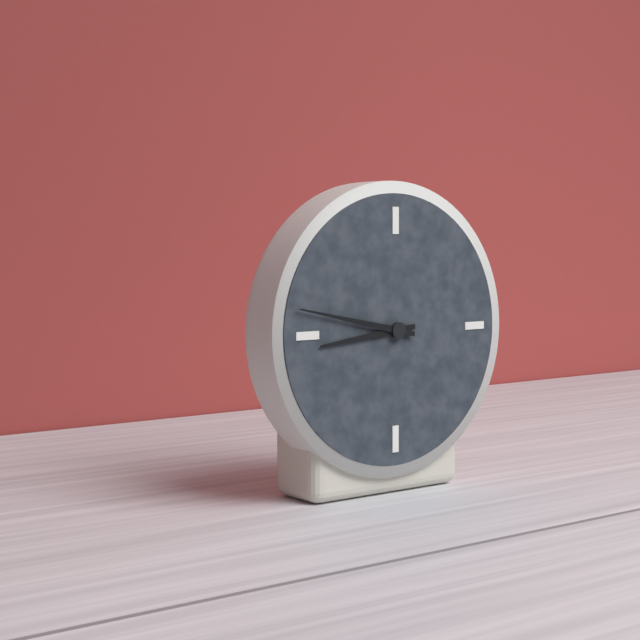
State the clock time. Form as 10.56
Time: 8.47
